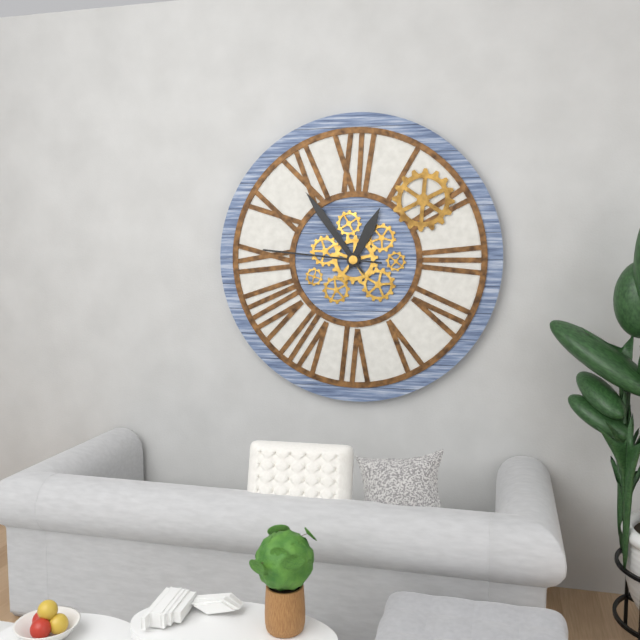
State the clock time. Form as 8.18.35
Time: 12.54.46
